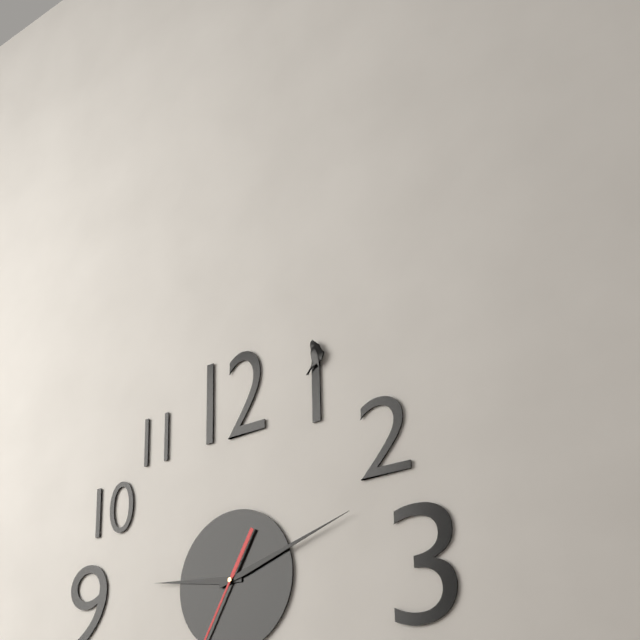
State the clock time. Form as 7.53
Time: 9.12
